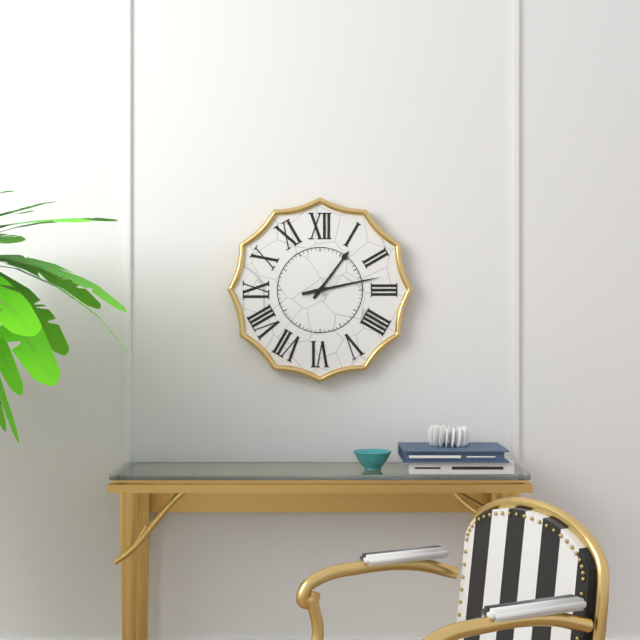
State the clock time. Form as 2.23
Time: 1.13
